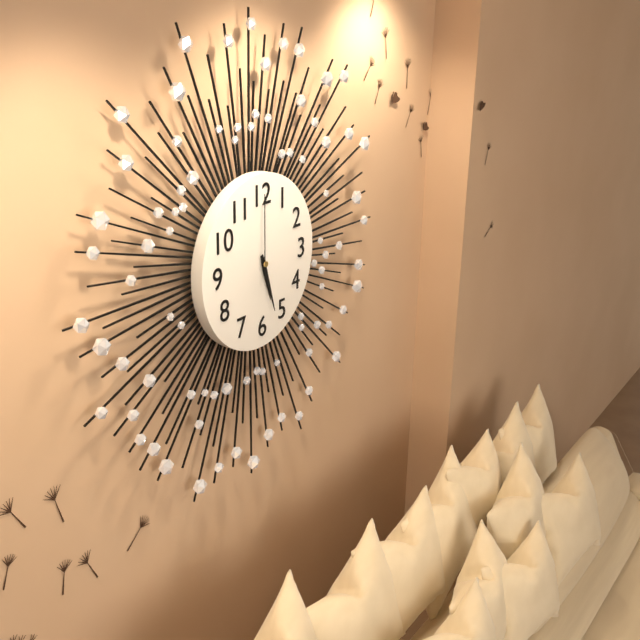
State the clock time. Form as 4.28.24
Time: 5.27.00
